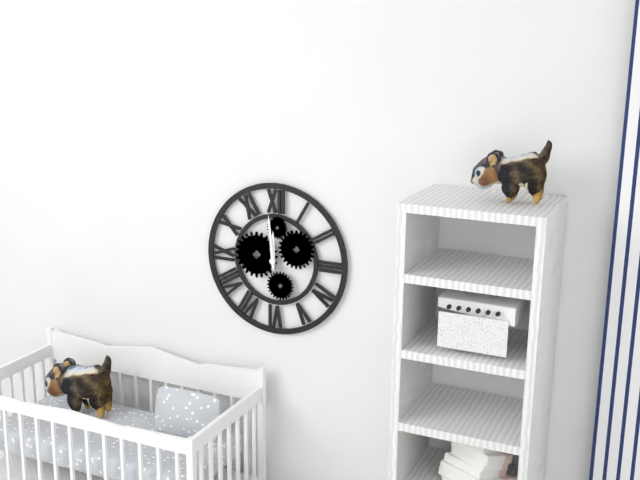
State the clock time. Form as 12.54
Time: 11.59
